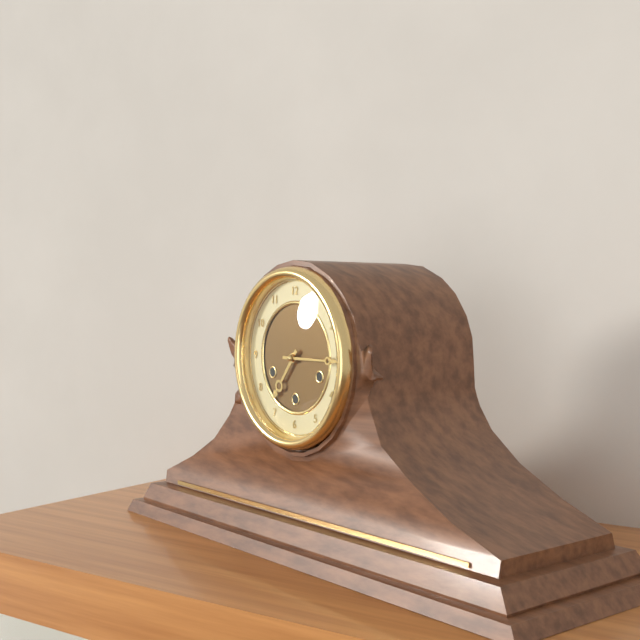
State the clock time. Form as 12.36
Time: 7.15
